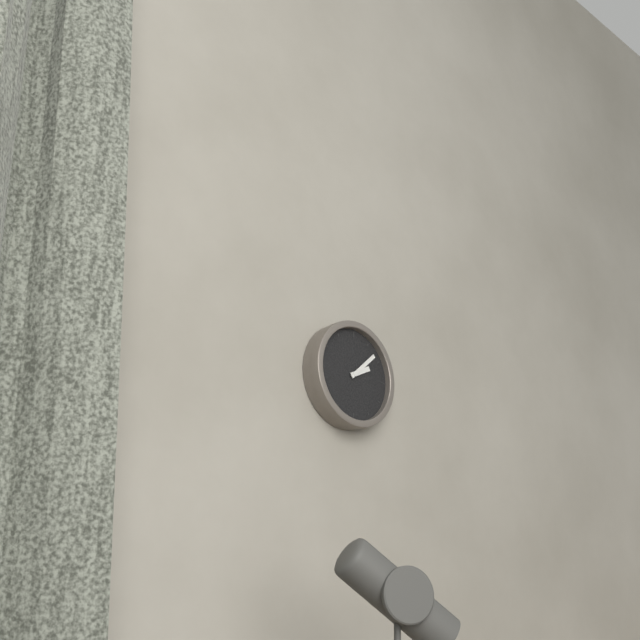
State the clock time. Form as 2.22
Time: 2.08
